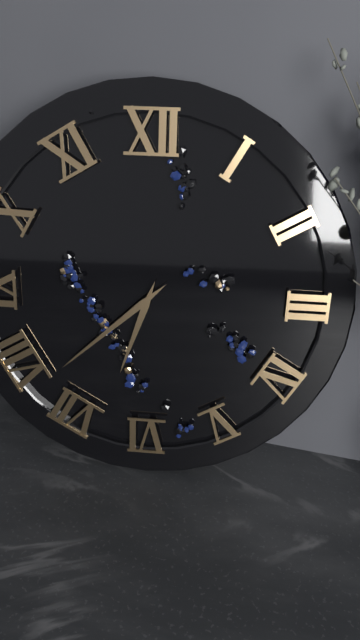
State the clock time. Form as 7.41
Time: 6.38
